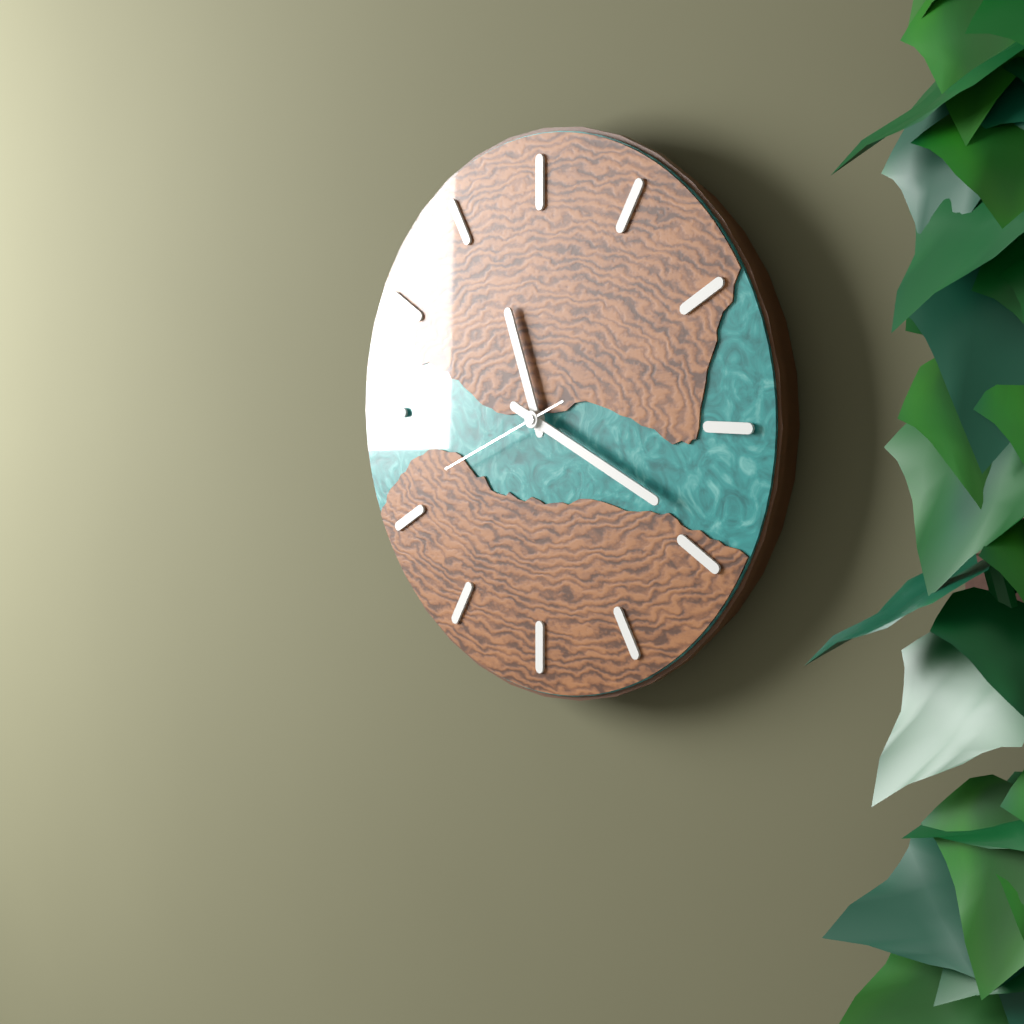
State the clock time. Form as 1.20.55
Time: 11.19.41
